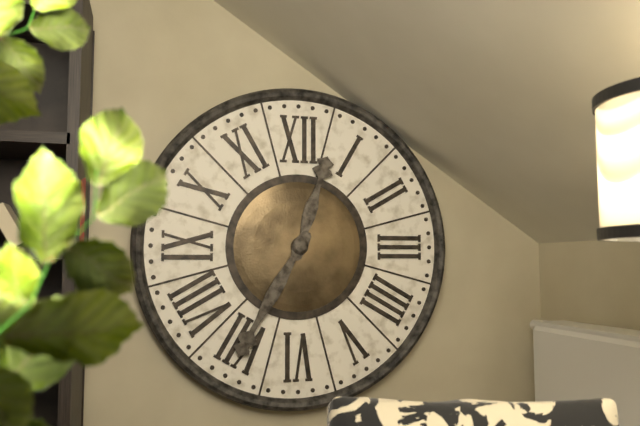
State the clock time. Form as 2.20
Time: 12.35
